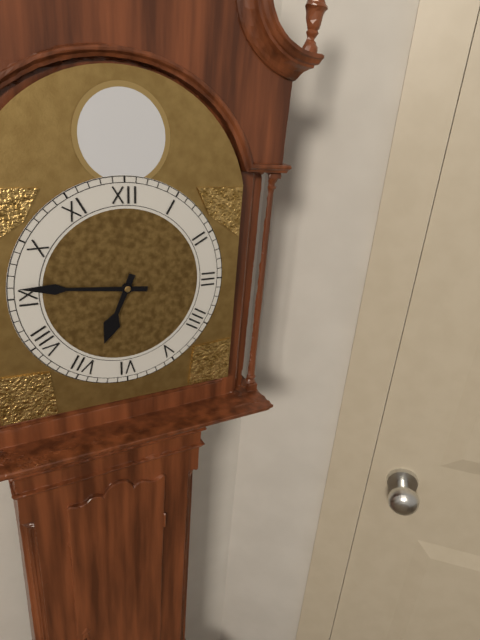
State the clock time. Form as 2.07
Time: 6.46
